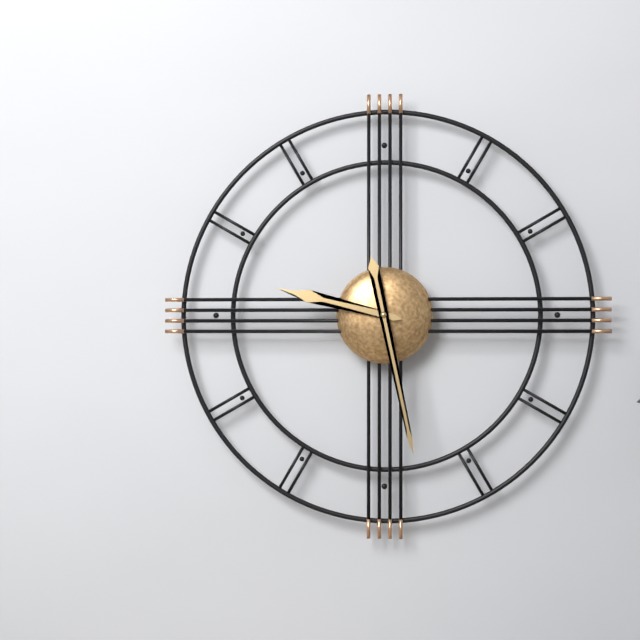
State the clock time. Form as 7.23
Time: 9.28
